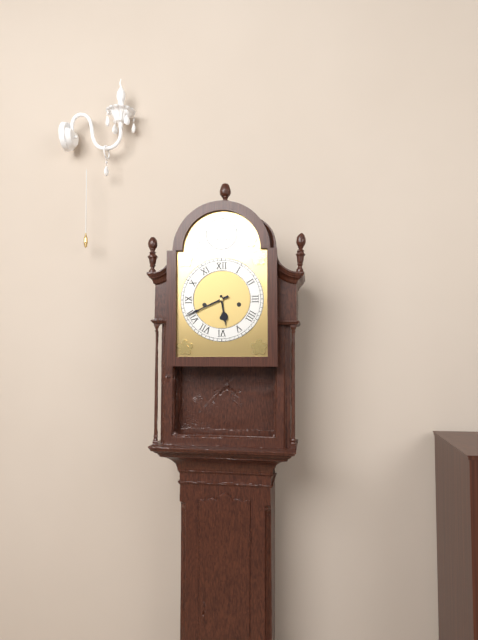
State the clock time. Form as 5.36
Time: 5.41
